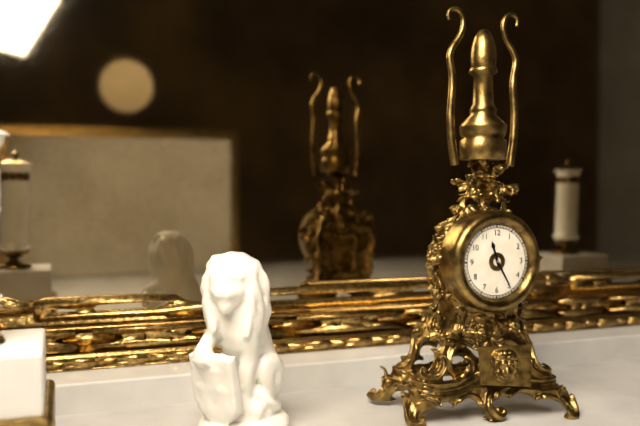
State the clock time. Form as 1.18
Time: 11.25
